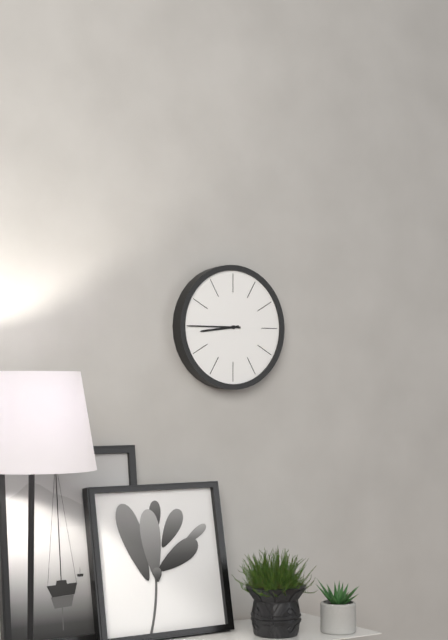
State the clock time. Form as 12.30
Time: 8.45
